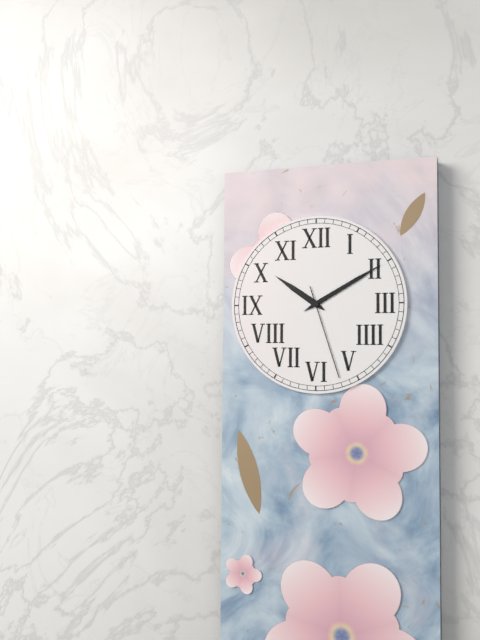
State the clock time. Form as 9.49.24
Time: 10.10.27
